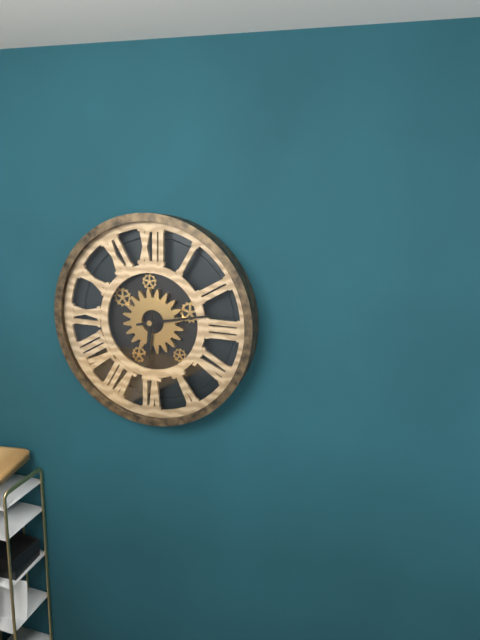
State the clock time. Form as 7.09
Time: 6.13
